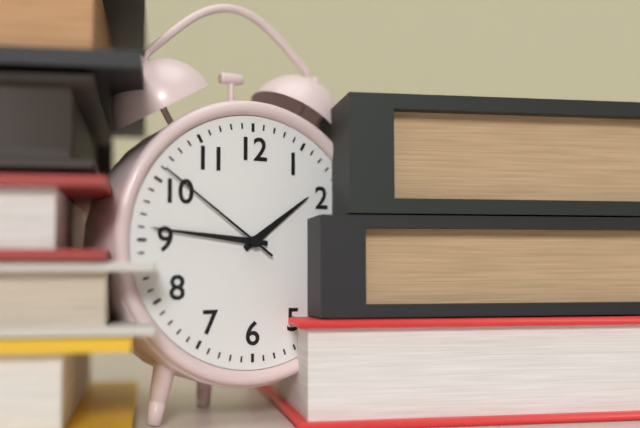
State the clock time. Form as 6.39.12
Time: 1.46.51
